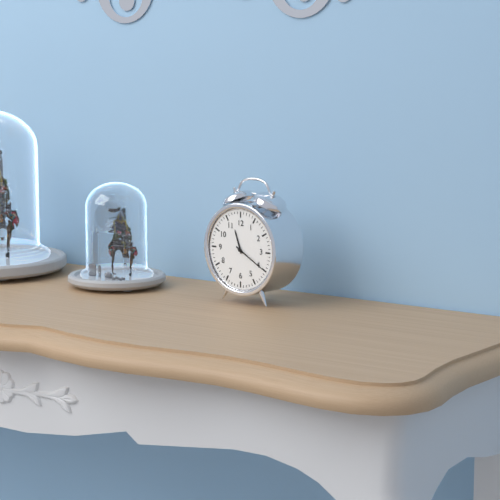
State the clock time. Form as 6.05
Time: 11.20
